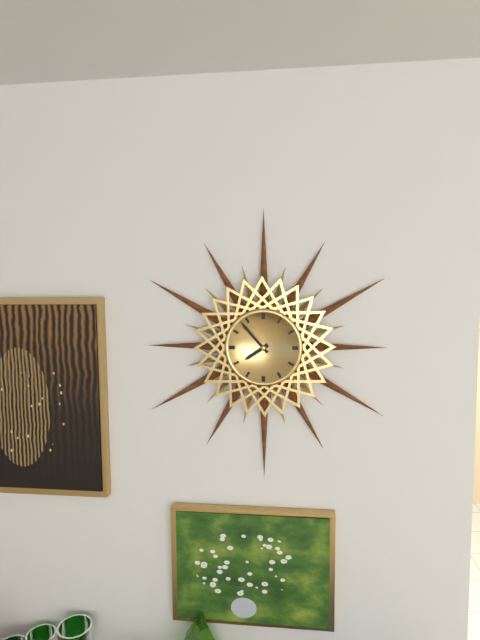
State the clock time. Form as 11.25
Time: 7.53
